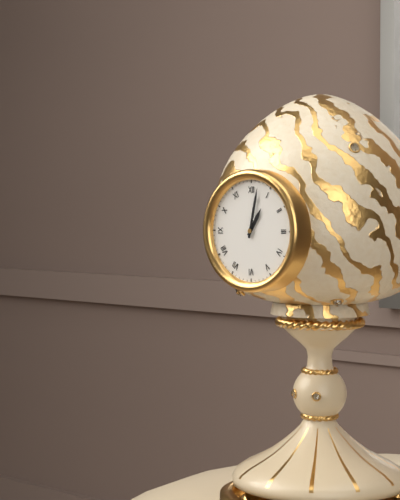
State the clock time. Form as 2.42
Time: 1.02
